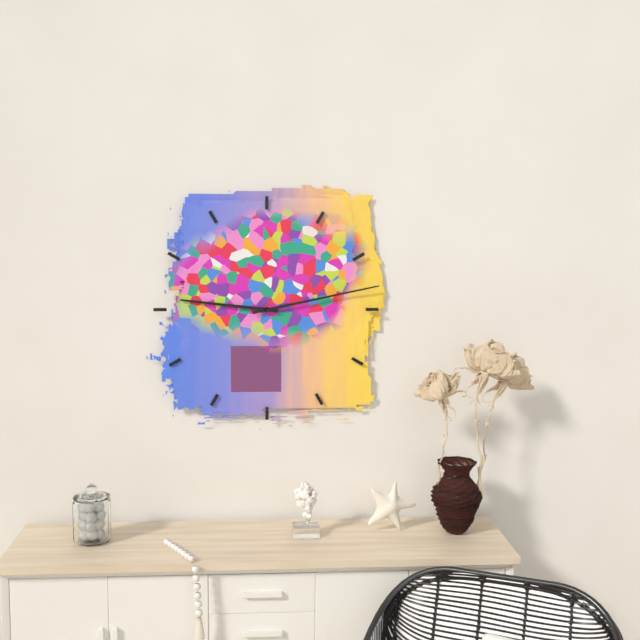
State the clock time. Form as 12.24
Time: 9.13
